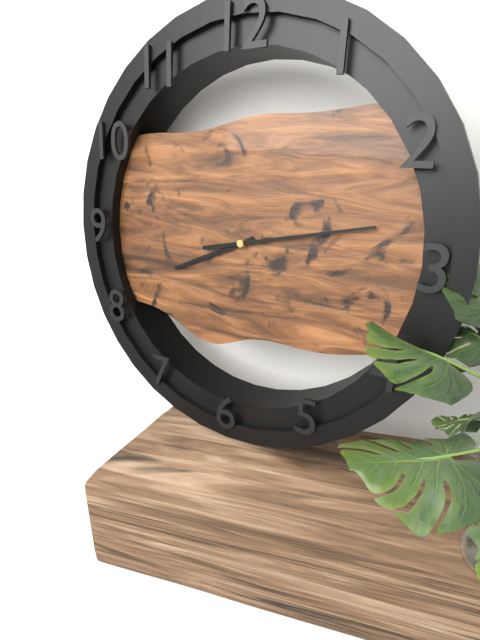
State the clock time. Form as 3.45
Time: 8.13
